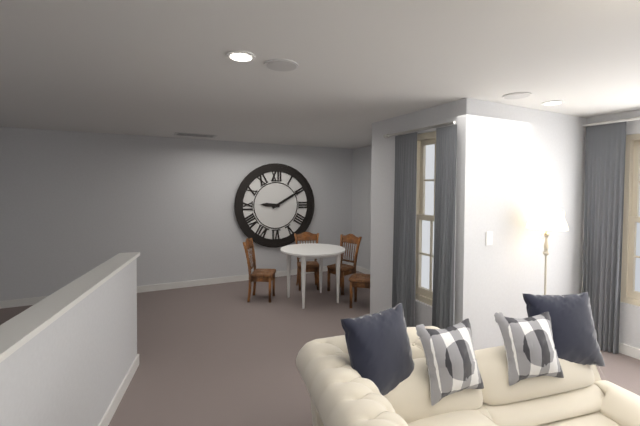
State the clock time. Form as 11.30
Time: 9.10
